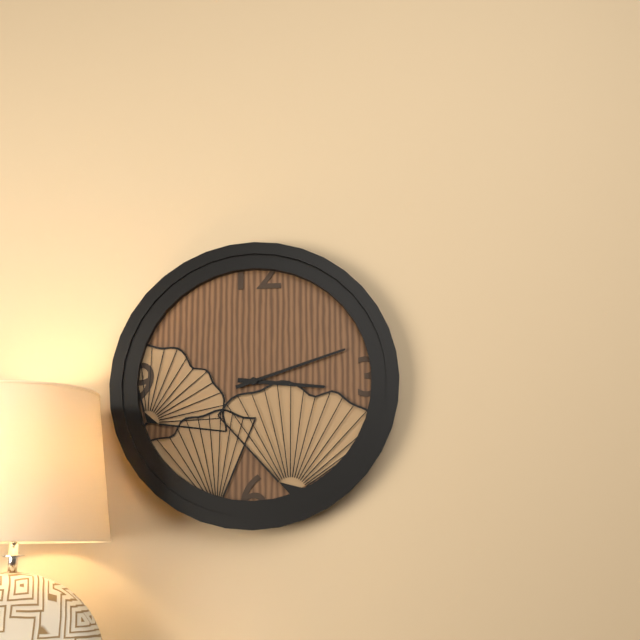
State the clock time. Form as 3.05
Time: 3.12
